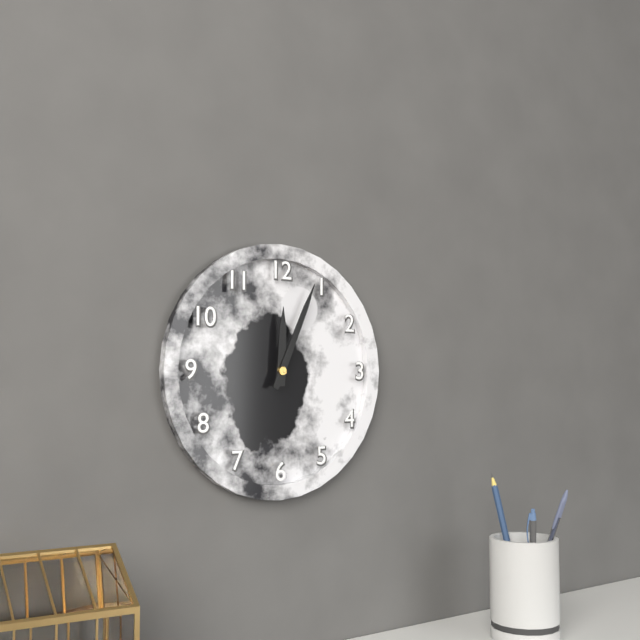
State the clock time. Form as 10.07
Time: 12.04
